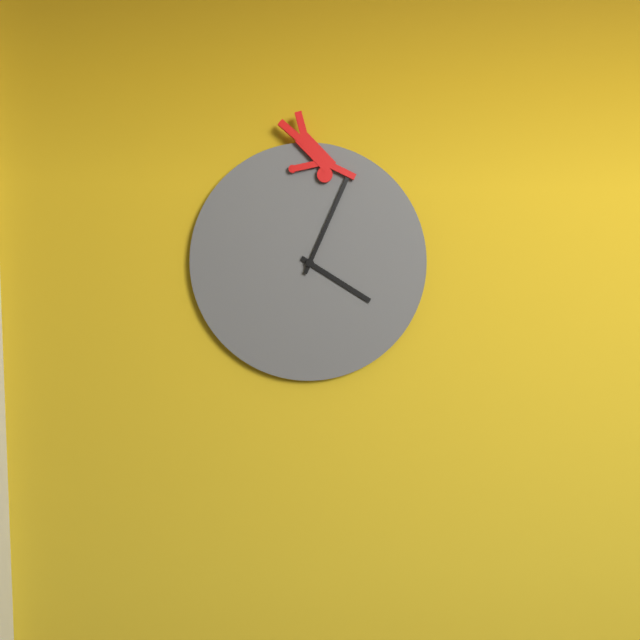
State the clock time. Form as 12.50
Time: 4.04
